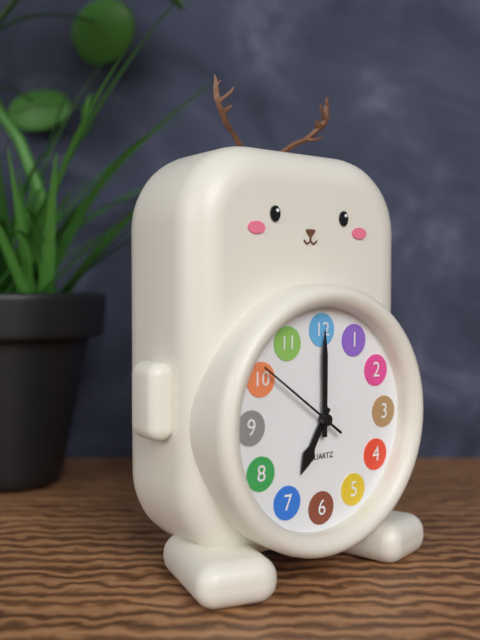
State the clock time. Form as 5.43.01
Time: 7.00.51
